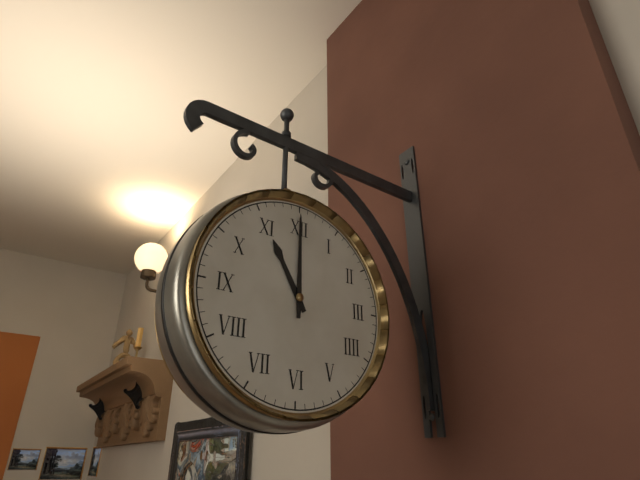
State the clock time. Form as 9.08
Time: 11.00
